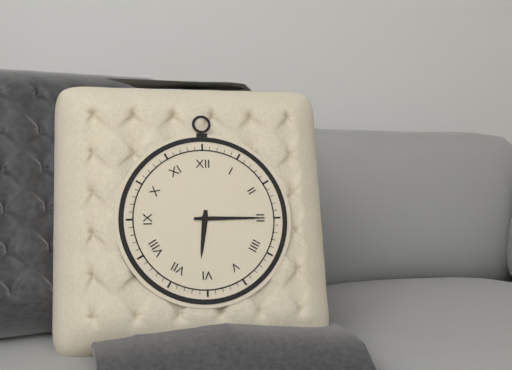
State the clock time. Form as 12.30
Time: 6.15
